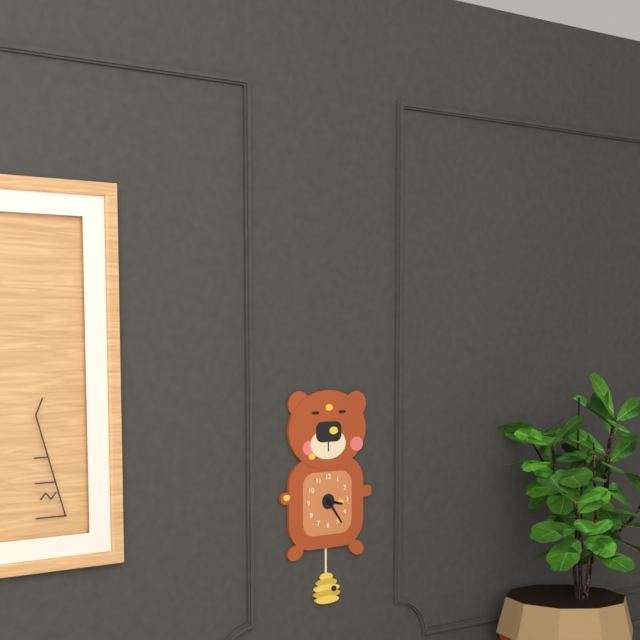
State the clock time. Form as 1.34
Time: 3.24
